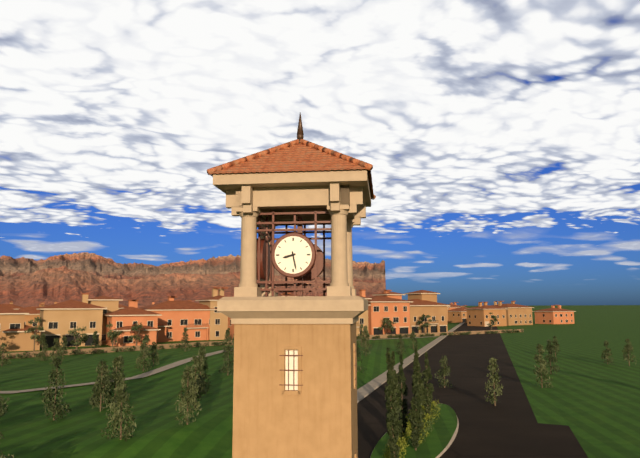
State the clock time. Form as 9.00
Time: 8.28
